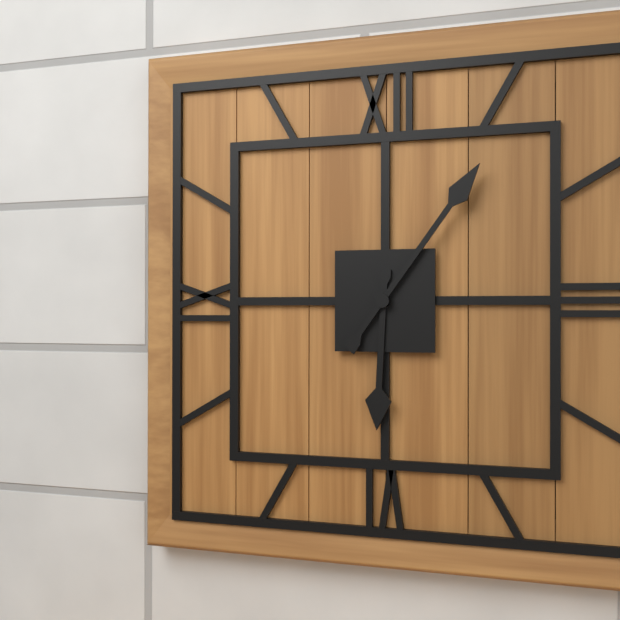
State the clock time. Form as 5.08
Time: 6.06
